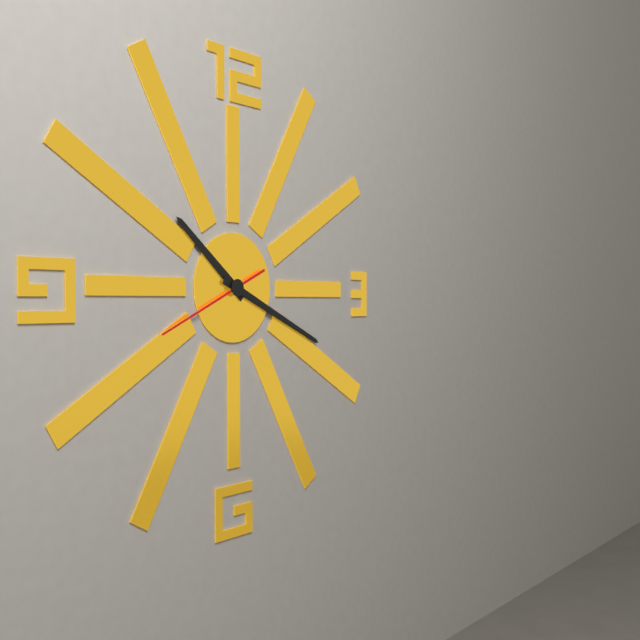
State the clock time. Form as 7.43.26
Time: 10.19.41
